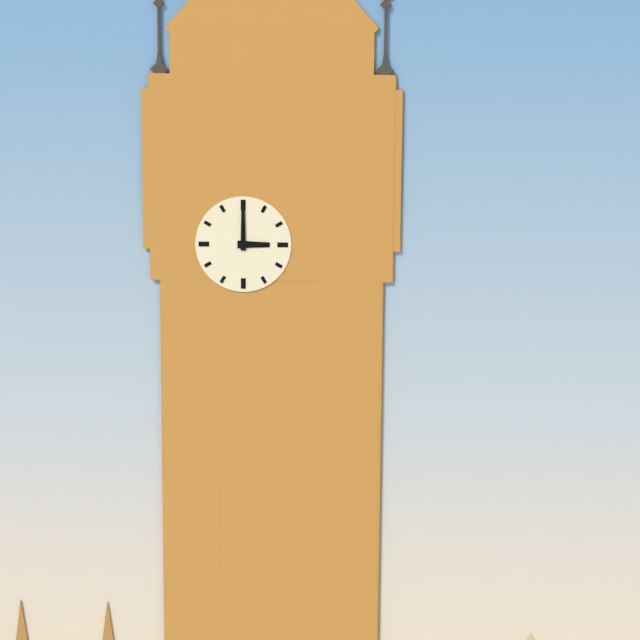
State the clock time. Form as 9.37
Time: 3.00
